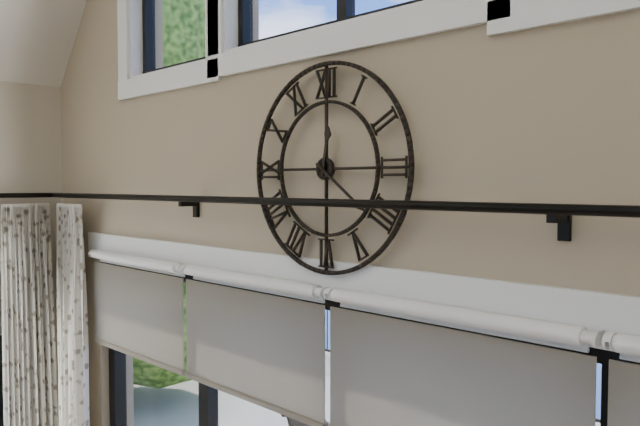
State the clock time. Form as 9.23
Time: 12.21
